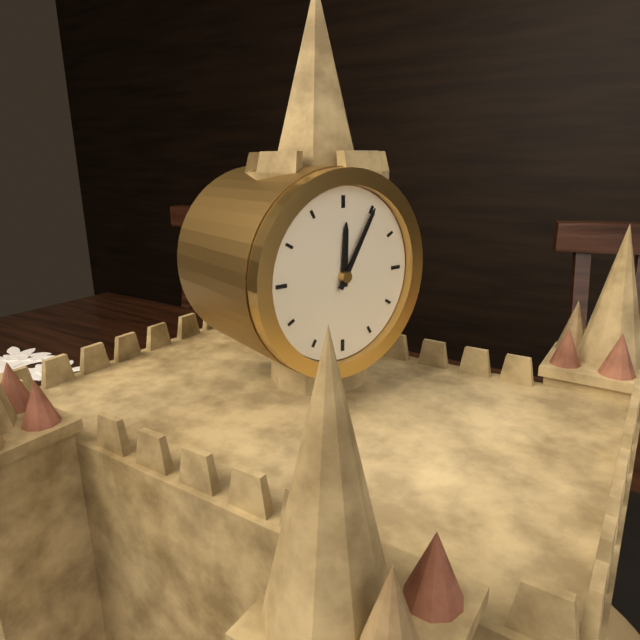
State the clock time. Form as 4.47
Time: 12.05
